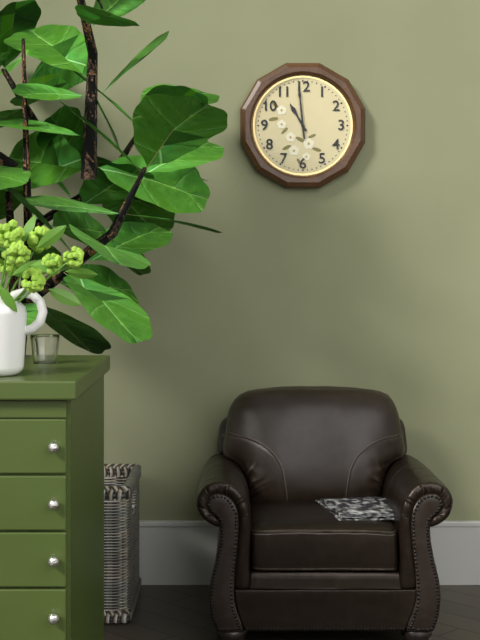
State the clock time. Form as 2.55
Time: 10.59
